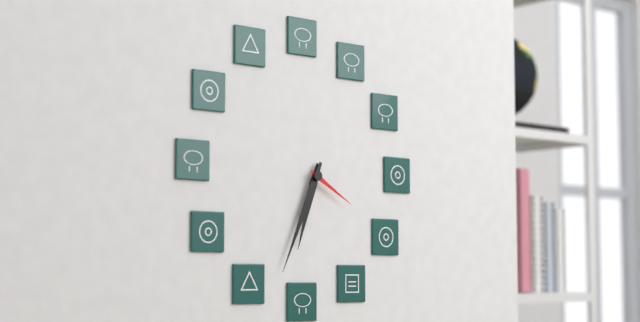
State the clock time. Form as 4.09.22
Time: 6.34.20
